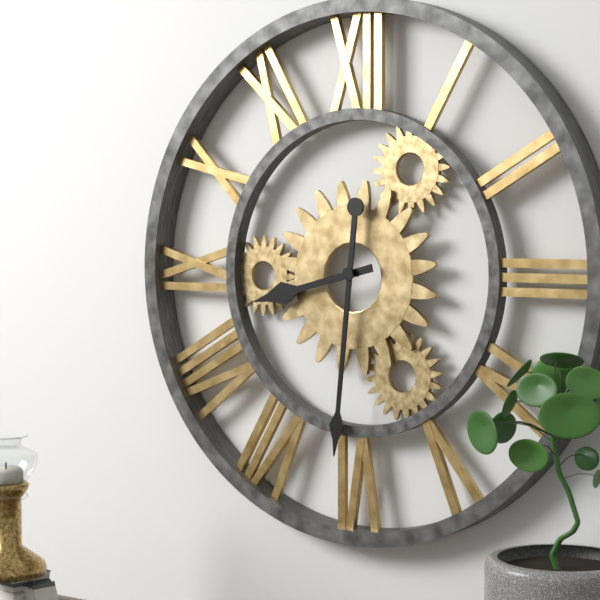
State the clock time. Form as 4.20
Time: 8.31
